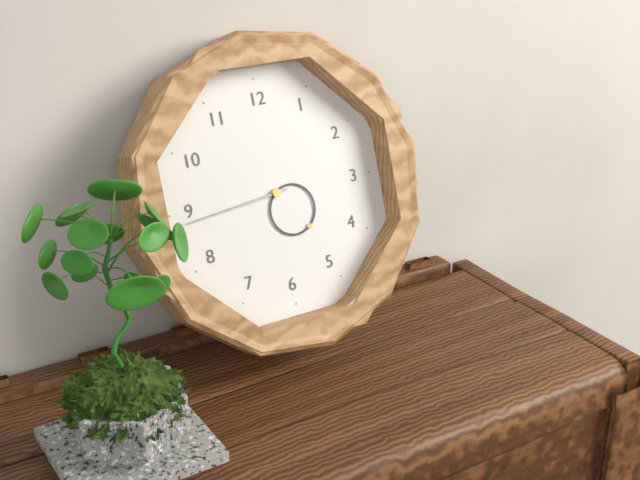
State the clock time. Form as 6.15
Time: 4.44
